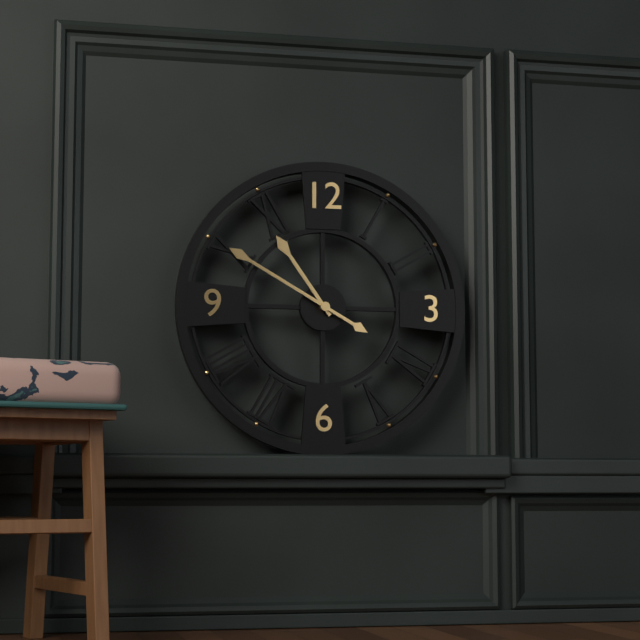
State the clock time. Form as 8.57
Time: 10.50
